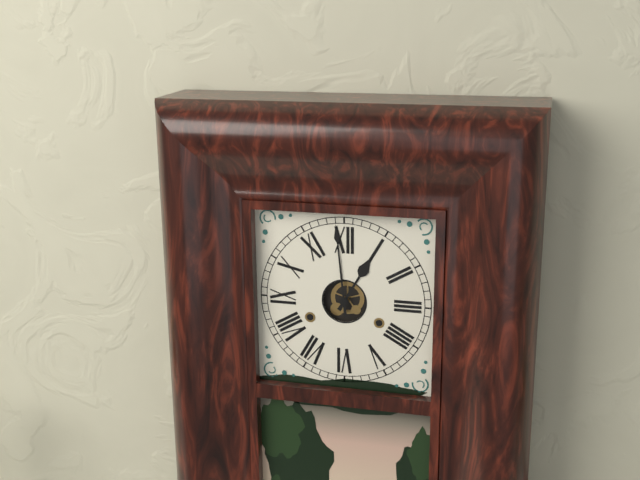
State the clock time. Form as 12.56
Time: 12.59
